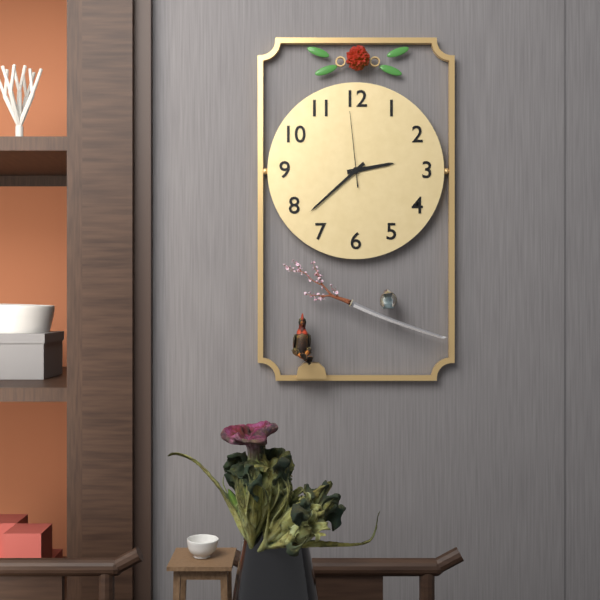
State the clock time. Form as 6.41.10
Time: 2.38.59
